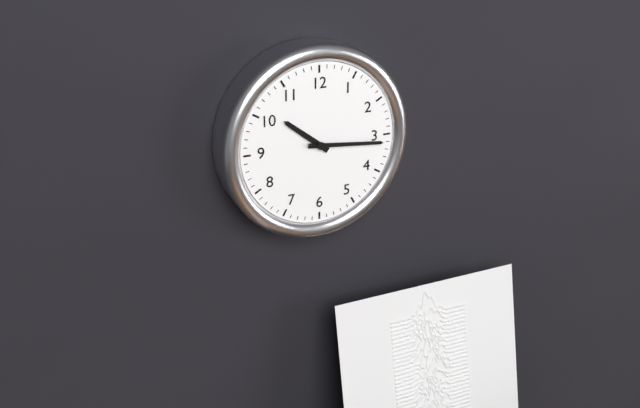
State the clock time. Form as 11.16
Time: 10.16
